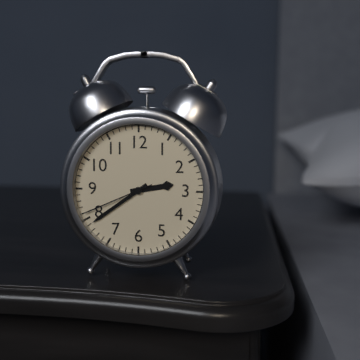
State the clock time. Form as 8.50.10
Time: 2.39.41
